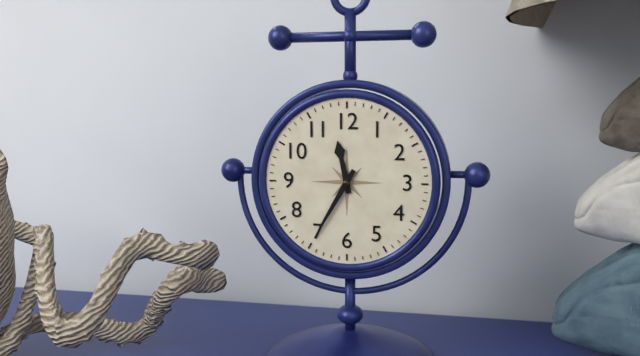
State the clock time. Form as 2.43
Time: 11.35
